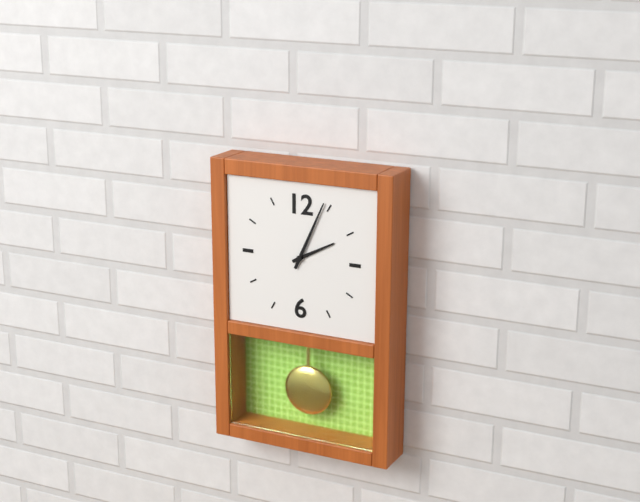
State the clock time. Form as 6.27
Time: 2.04
